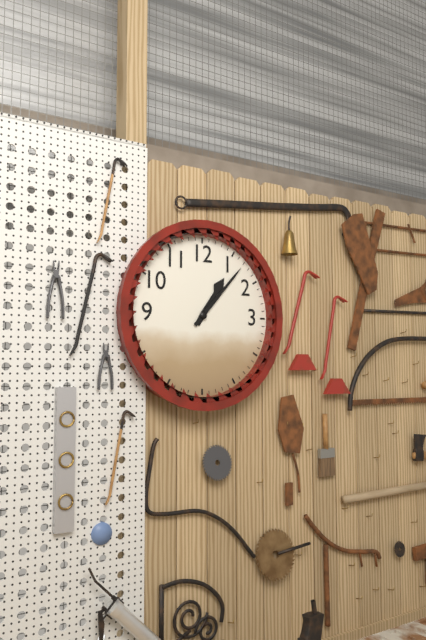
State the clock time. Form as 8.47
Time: 1.07
